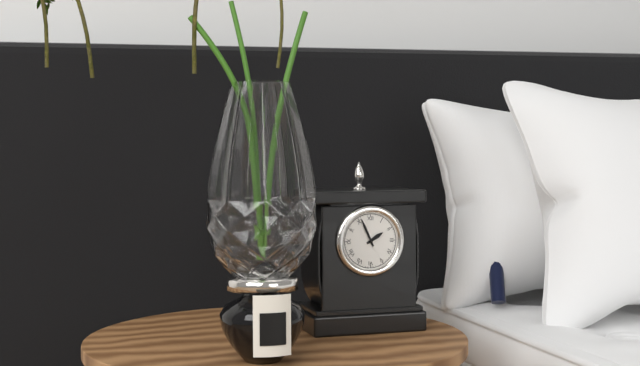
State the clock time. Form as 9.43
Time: 1.56
